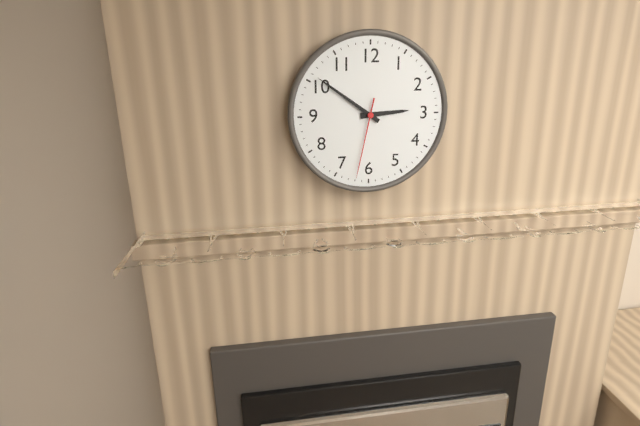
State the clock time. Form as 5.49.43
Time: 2.51.32
